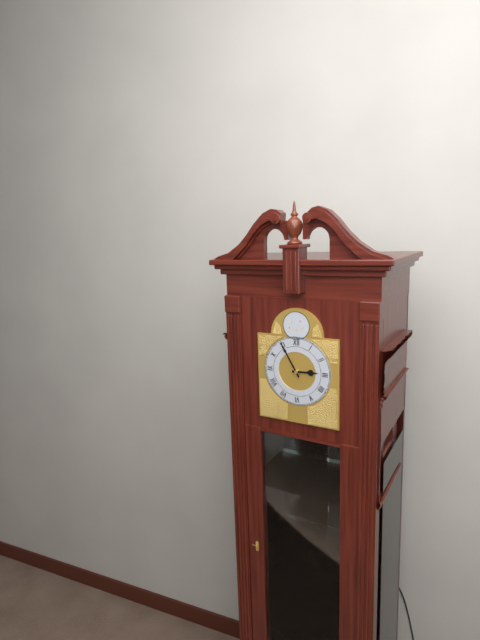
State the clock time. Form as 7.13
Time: 2.55
